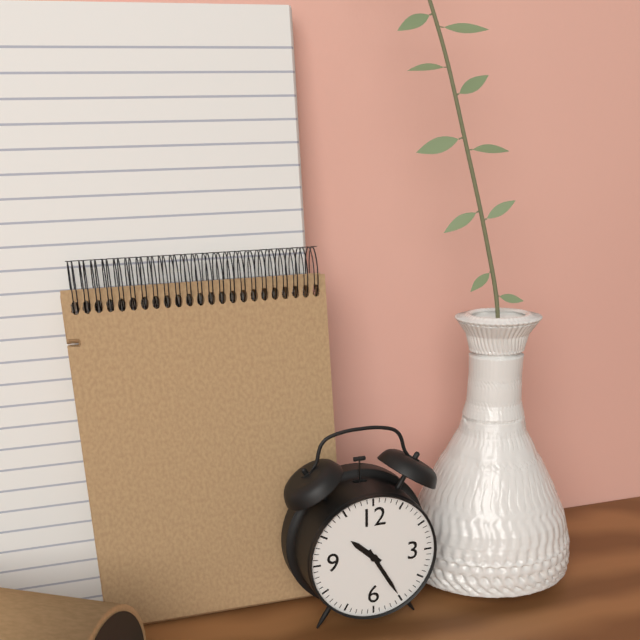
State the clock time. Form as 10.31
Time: 10.25
